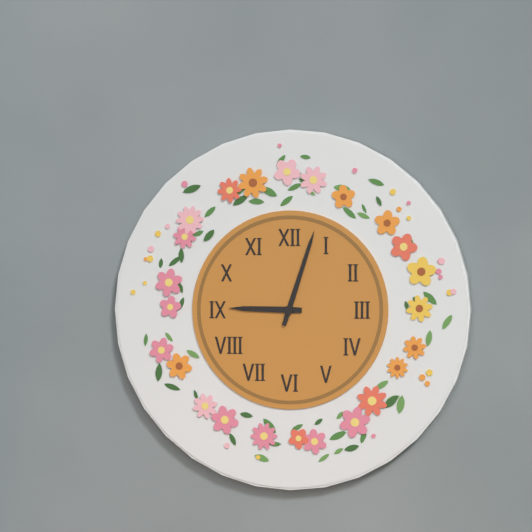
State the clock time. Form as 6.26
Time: 9.03
